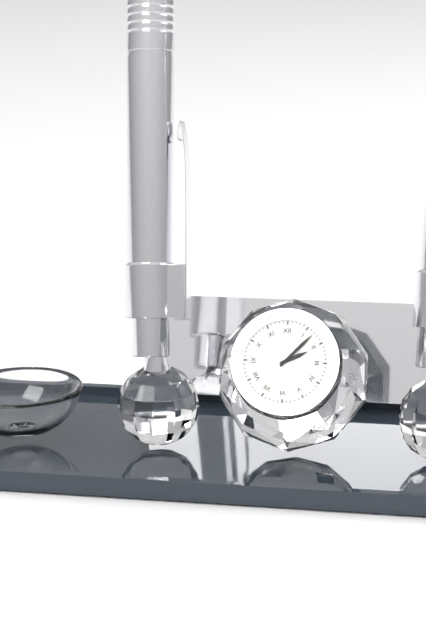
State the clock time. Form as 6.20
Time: 2.07
